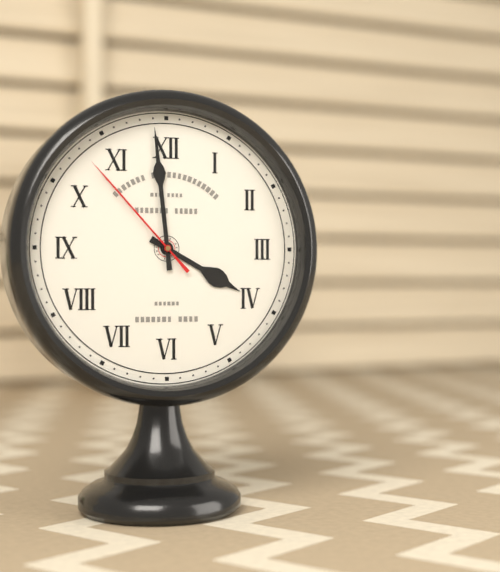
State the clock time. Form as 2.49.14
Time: 3.59.53
